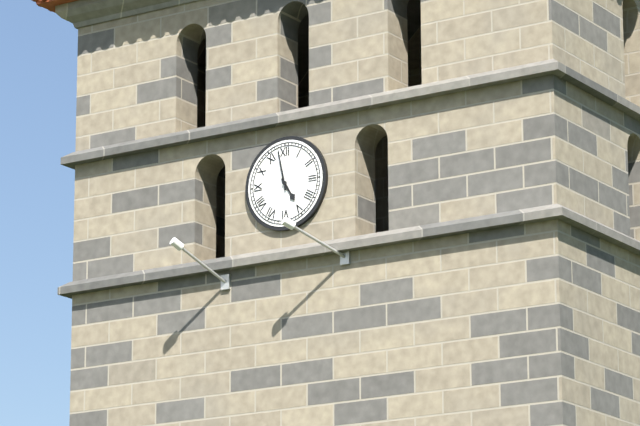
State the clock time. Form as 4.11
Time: 4.58
